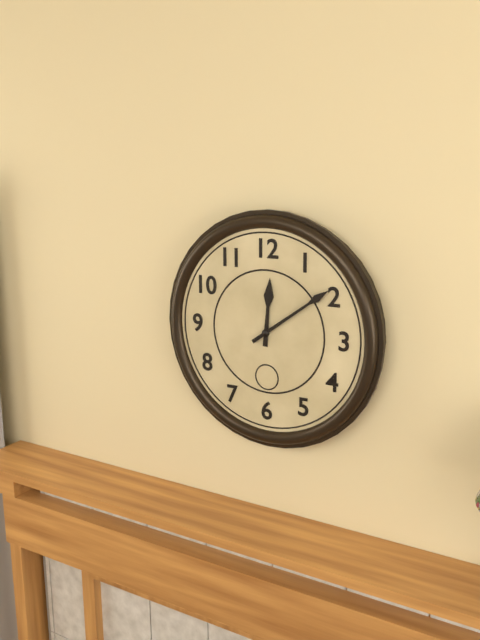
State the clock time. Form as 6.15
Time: 12.09
